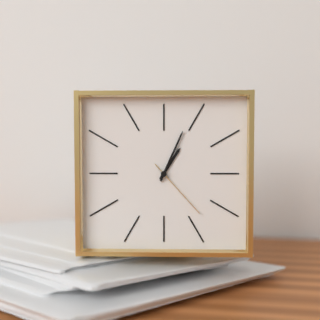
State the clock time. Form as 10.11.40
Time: 1.04.23
